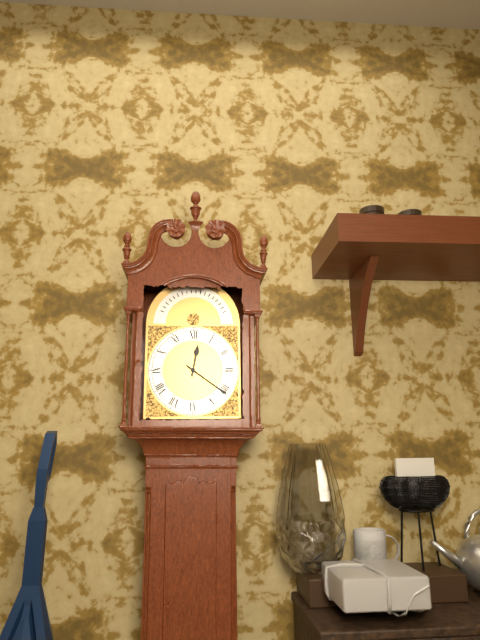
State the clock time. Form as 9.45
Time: 12.21
